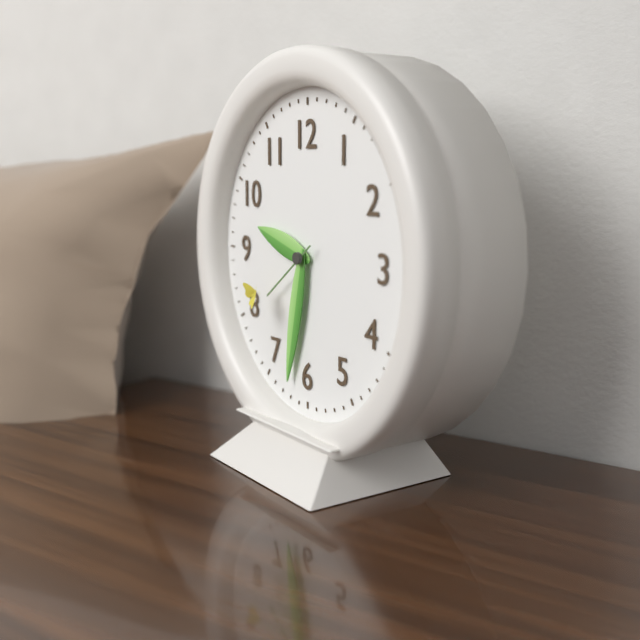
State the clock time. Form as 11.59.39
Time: 9.32.39
